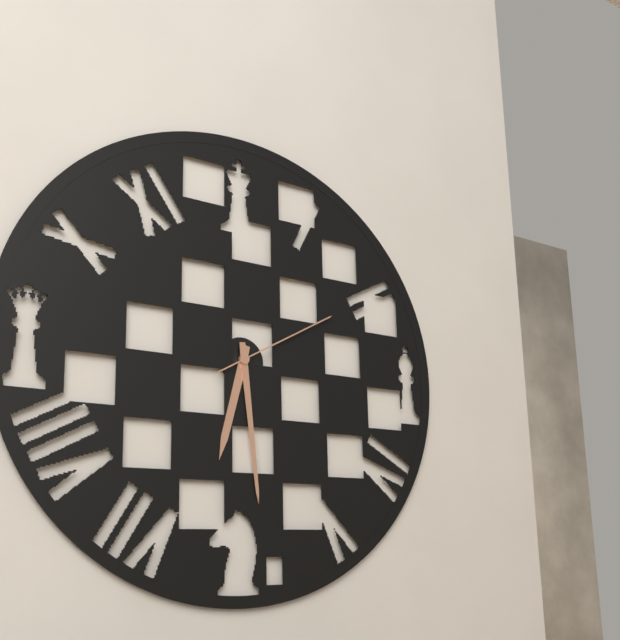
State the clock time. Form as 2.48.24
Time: 6.29.10
